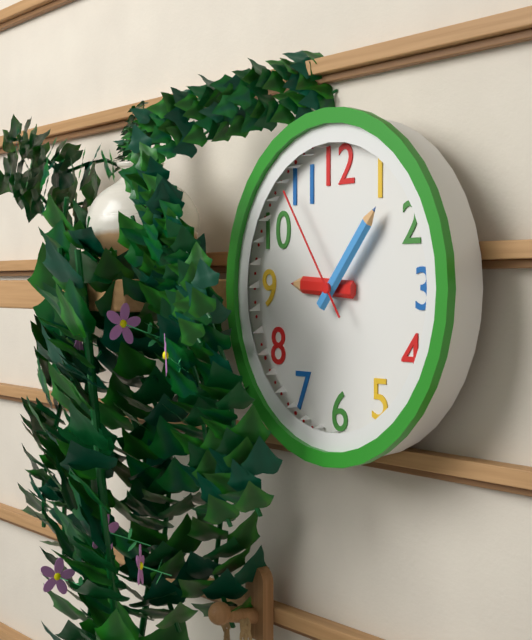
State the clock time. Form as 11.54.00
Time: 9.07.54
